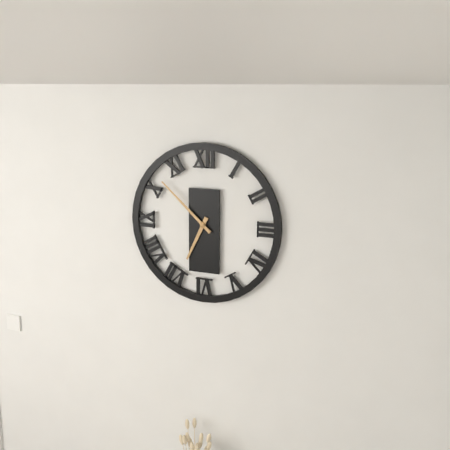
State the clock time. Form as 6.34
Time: 6.52
